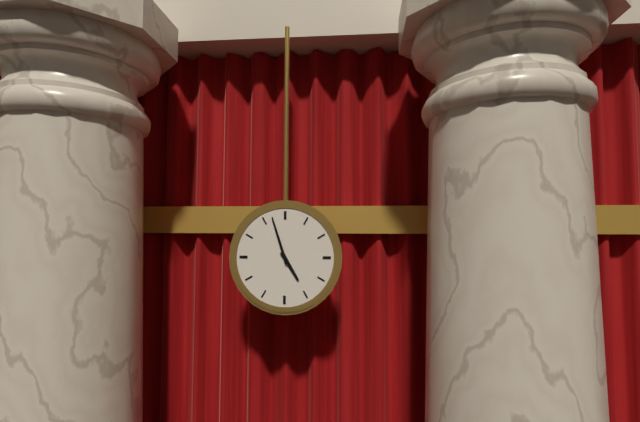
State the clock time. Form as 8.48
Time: 4.57
